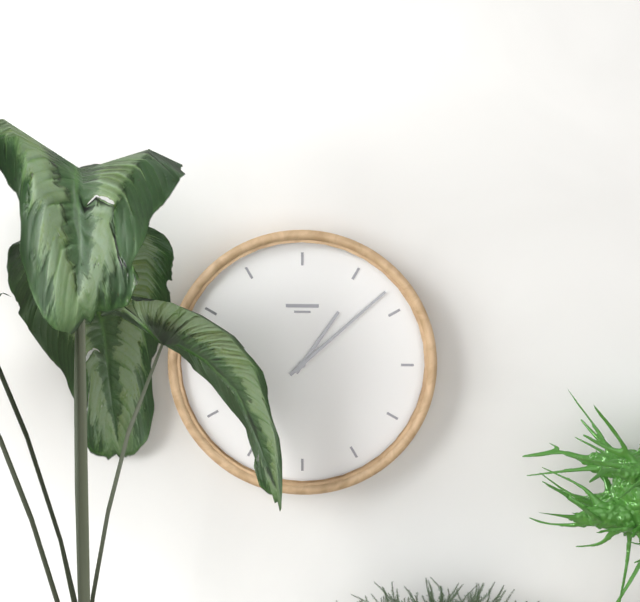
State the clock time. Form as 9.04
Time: 1.08
